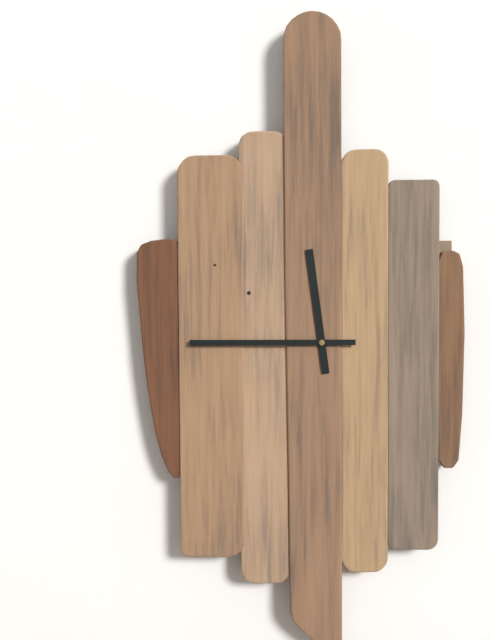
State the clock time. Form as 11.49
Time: 11.45
